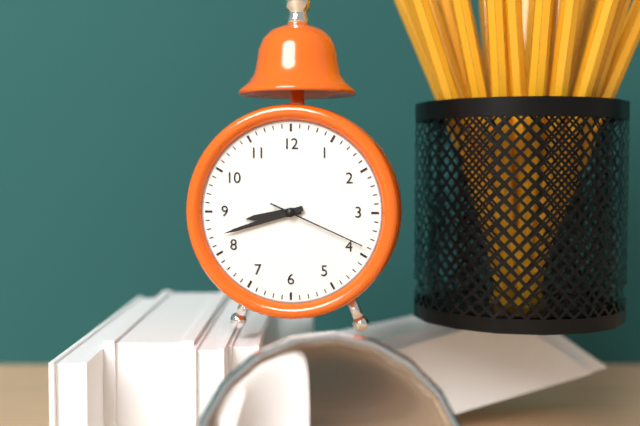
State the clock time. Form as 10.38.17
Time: 8.42.19
